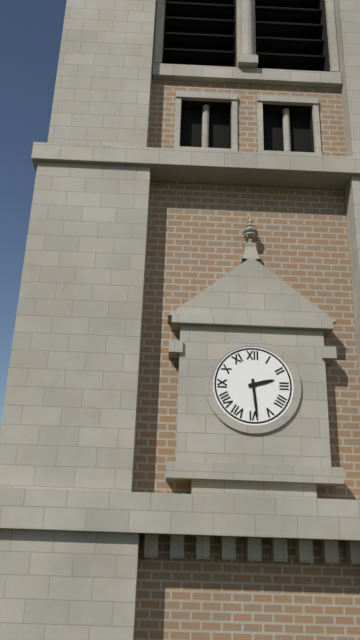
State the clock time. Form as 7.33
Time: 2.29
